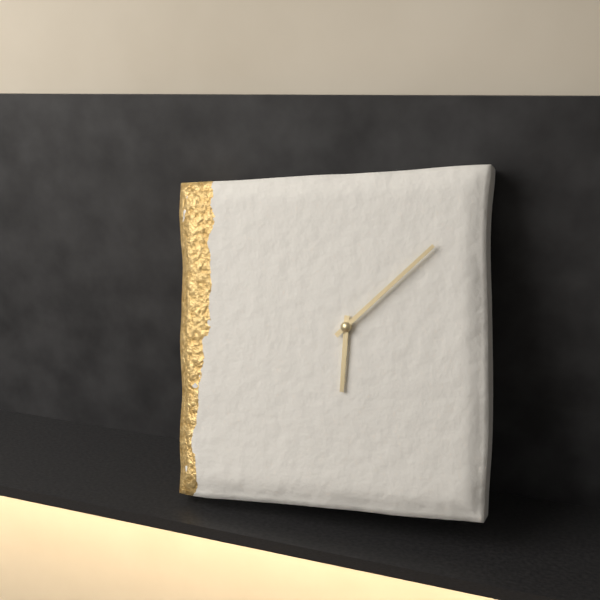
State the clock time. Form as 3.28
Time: 6.08
